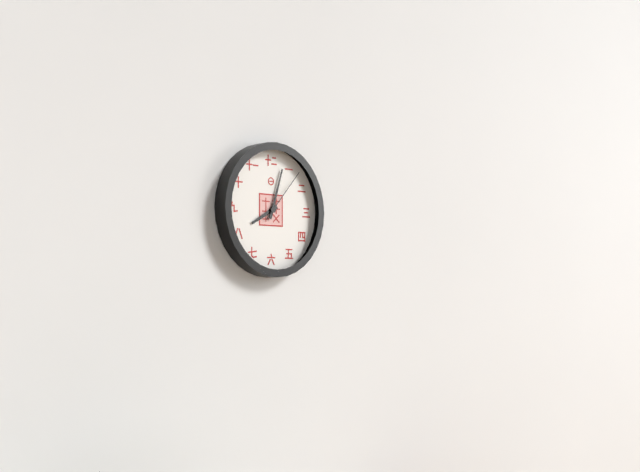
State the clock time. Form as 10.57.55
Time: 8.03.07
